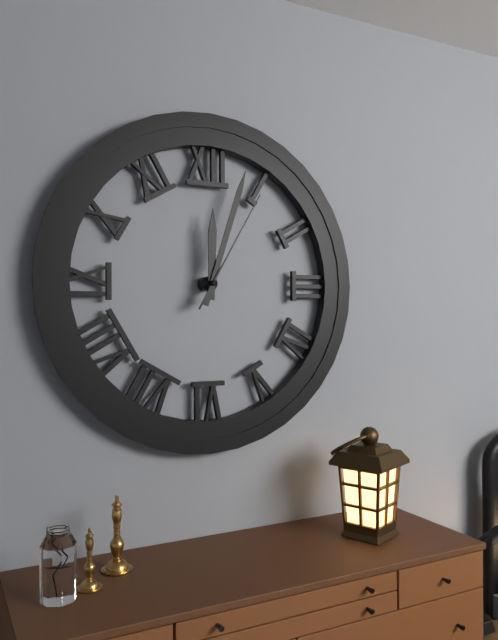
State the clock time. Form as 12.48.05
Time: 12.03.05
